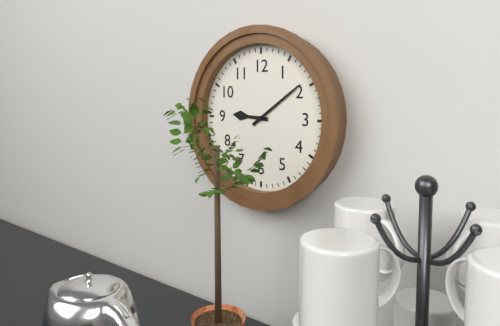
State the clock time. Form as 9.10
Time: 9.09
